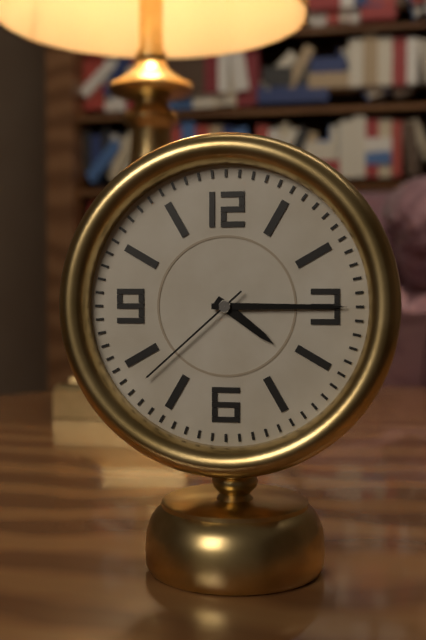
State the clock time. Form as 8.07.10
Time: 4.15.38
